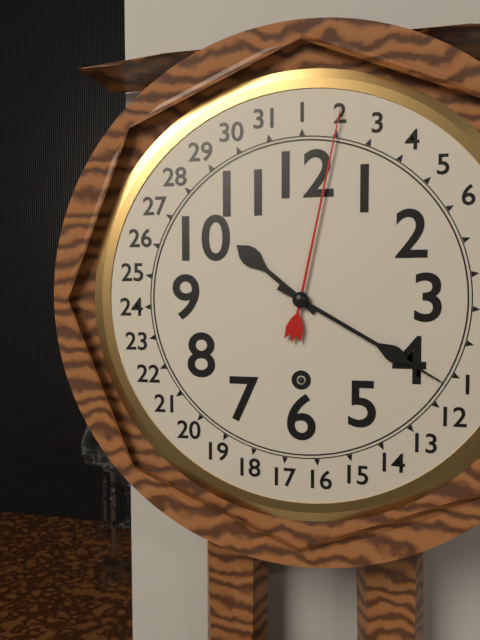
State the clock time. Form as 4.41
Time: 10.20
